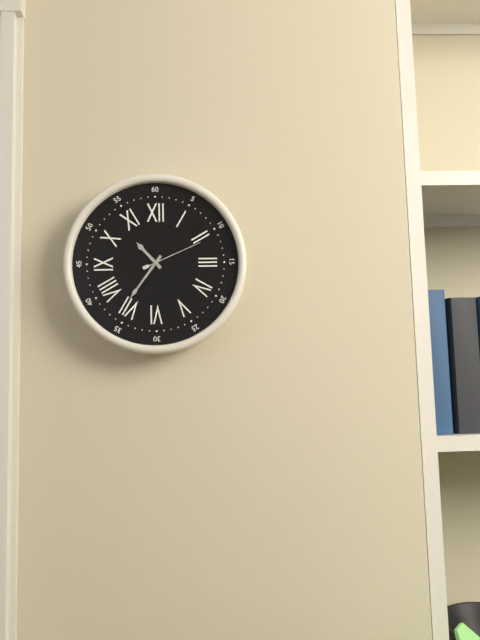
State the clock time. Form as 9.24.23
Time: 10.36.11
